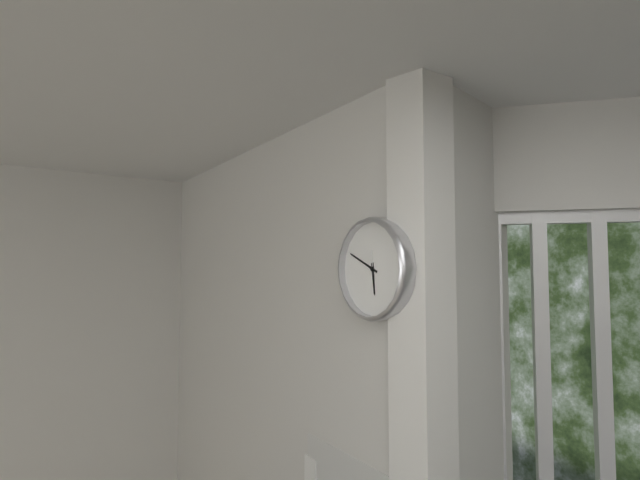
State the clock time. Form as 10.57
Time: 5.49
